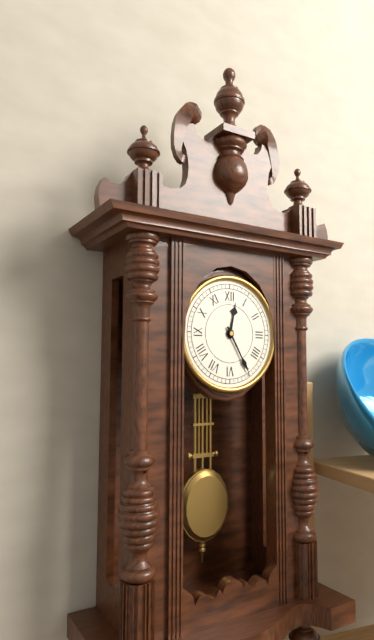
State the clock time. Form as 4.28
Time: 12.25
